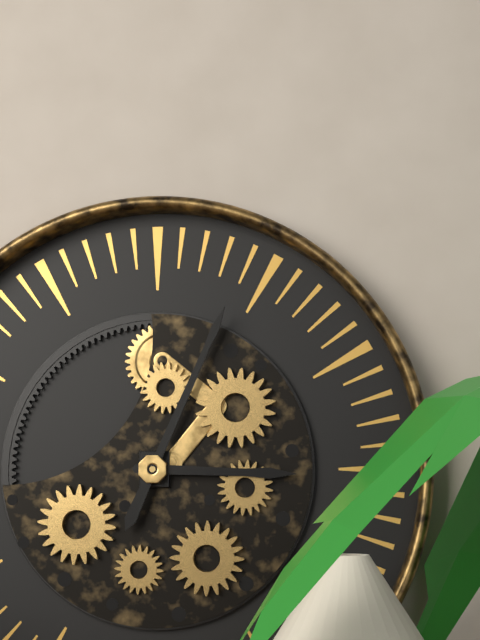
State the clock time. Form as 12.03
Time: 3.04
